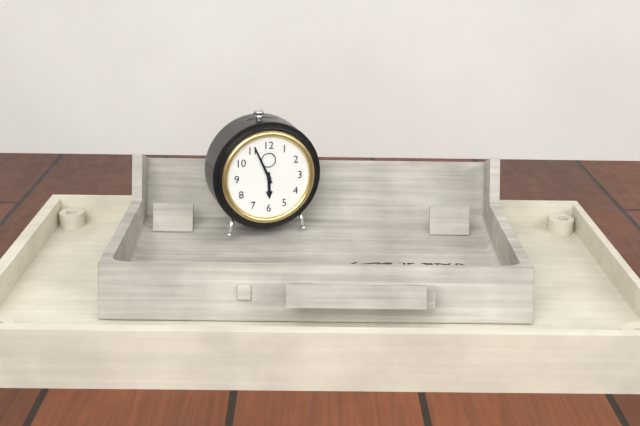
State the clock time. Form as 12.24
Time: 5.56
